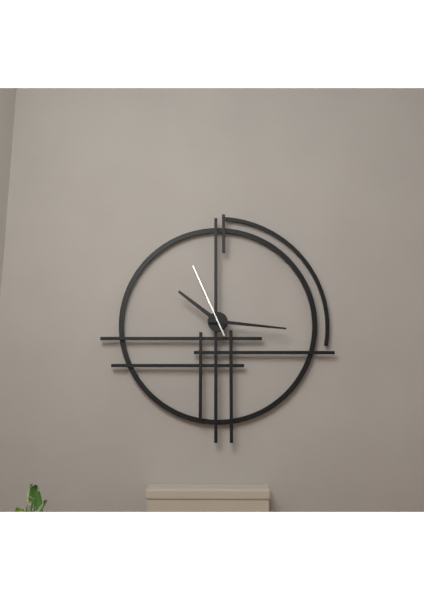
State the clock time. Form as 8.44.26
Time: 10.16.56
